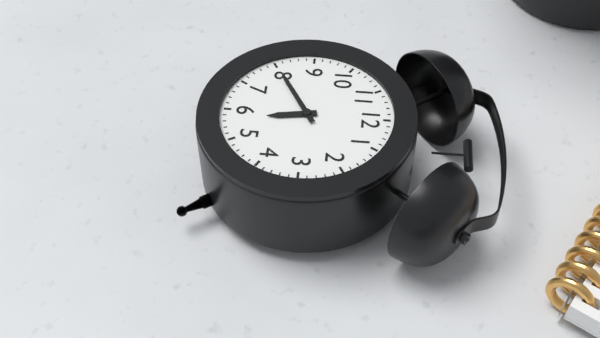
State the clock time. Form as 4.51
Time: 5.40
